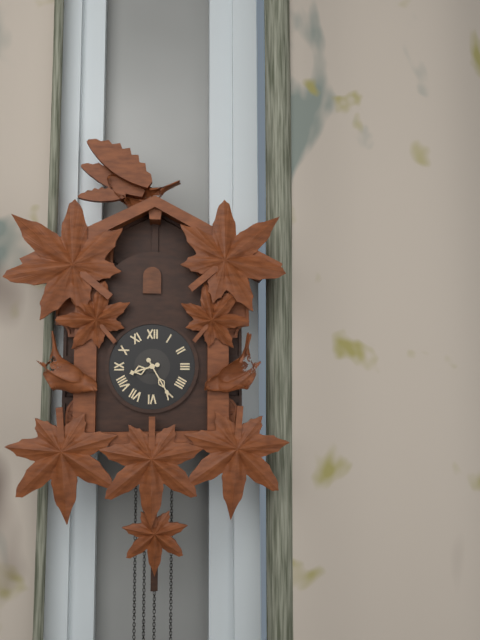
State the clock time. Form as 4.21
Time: 8.25
